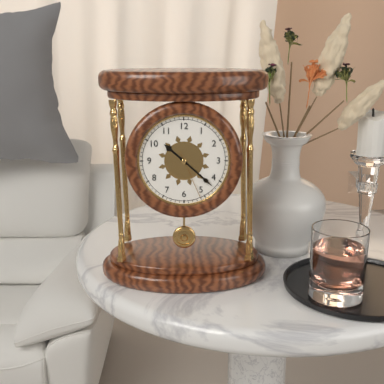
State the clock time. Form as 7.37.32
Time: 10.22.26
